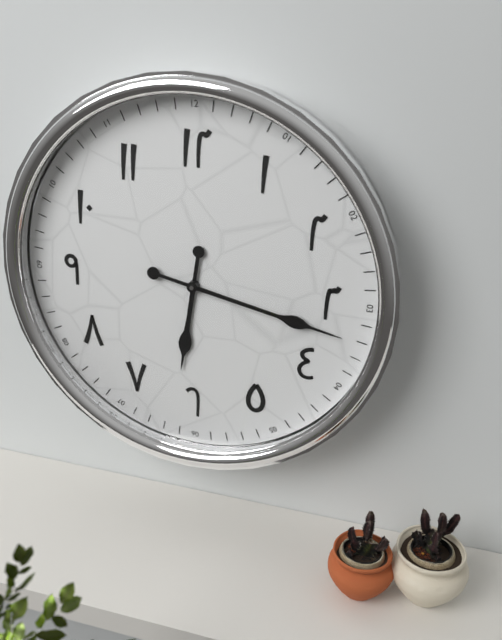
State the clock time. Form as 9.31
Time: 6.17
